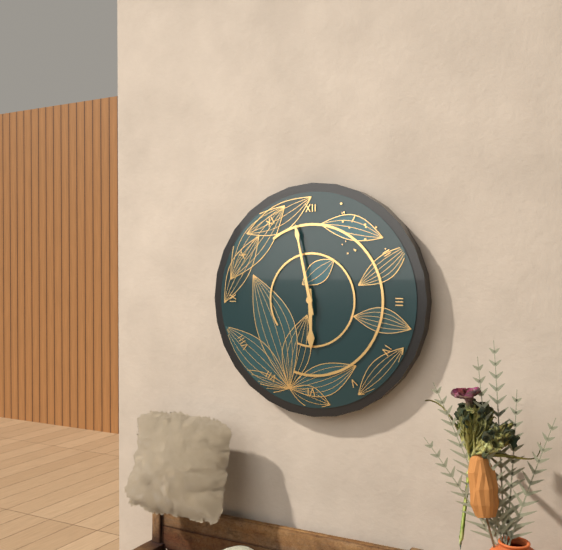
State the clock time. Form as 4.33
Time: 5.58
